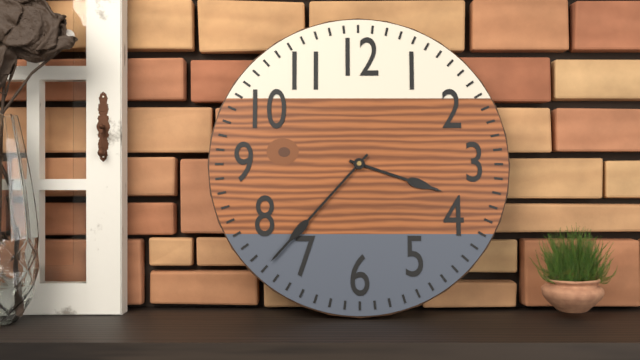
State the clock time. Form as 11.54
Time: 3.37
